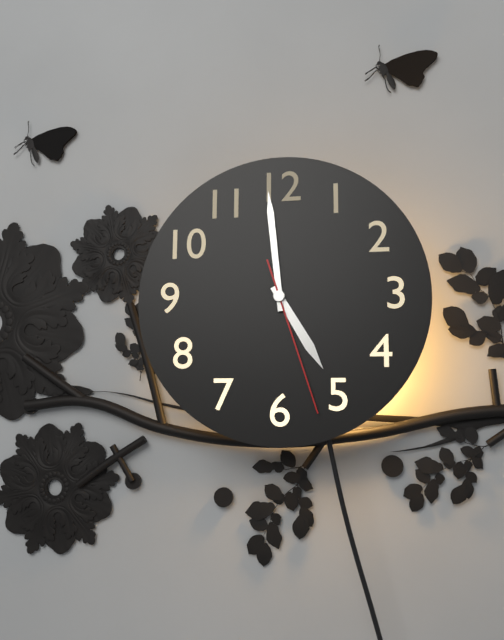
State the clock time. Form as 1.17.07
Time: 4.59.27
